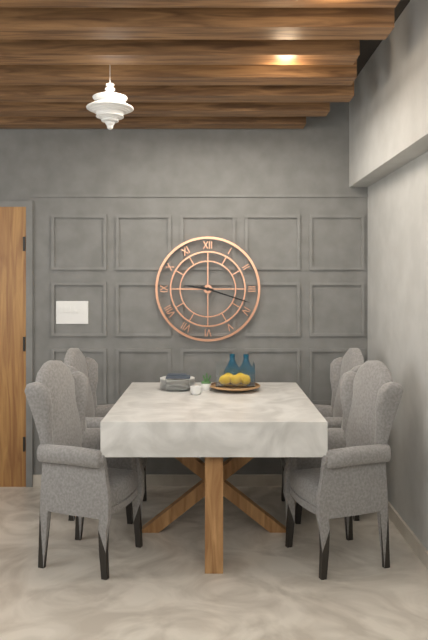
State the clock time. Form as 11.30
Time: 9.18
